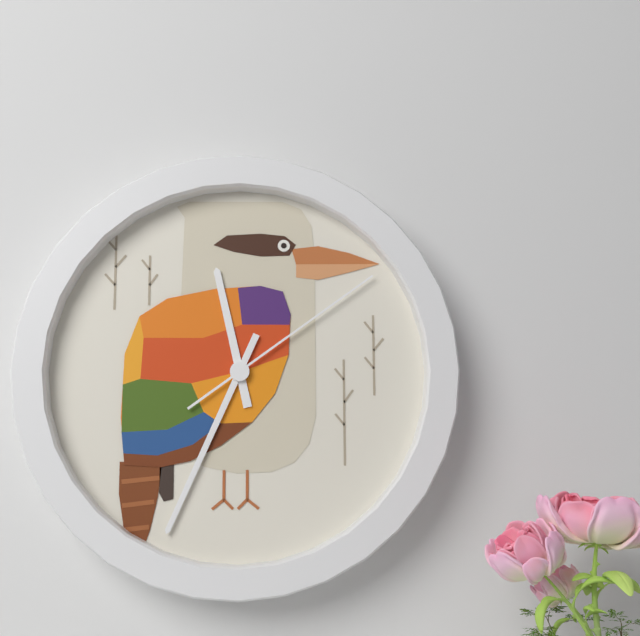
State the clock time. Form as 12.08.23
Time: 11.34.09
